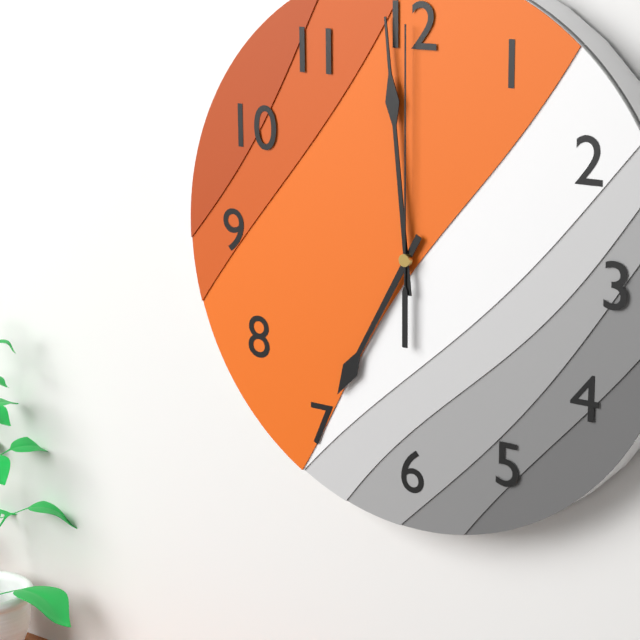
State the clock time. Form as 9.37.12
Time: 6.59.00
